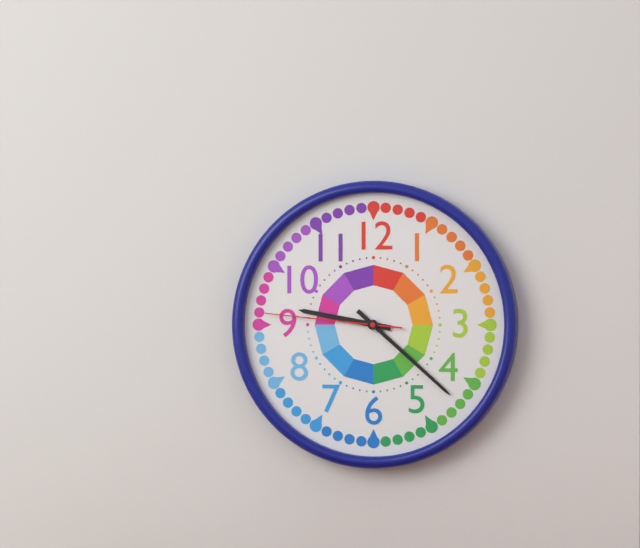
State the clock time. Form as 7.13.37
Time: 9.22.46
